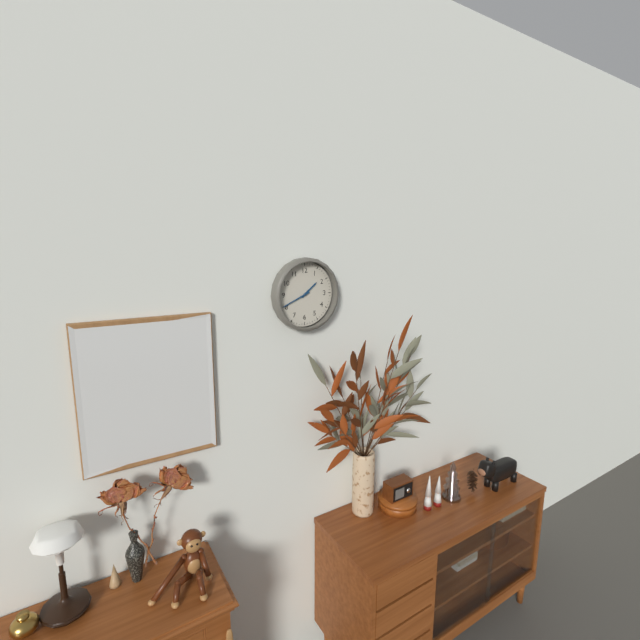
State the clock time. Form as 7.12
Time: 1.41
